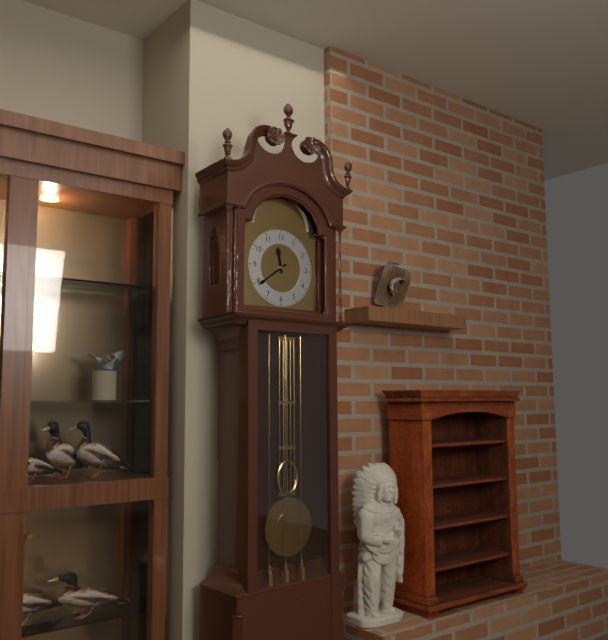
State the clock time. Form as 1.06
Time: 11.39
